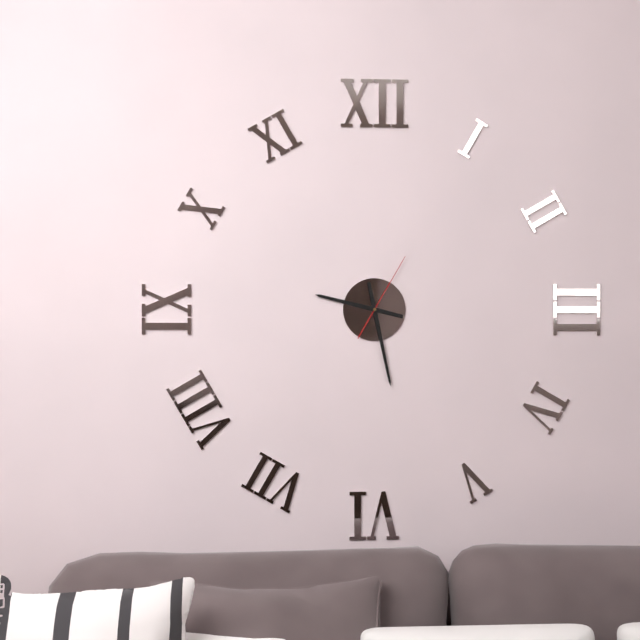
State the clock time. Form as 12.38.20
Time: 9.28.05
